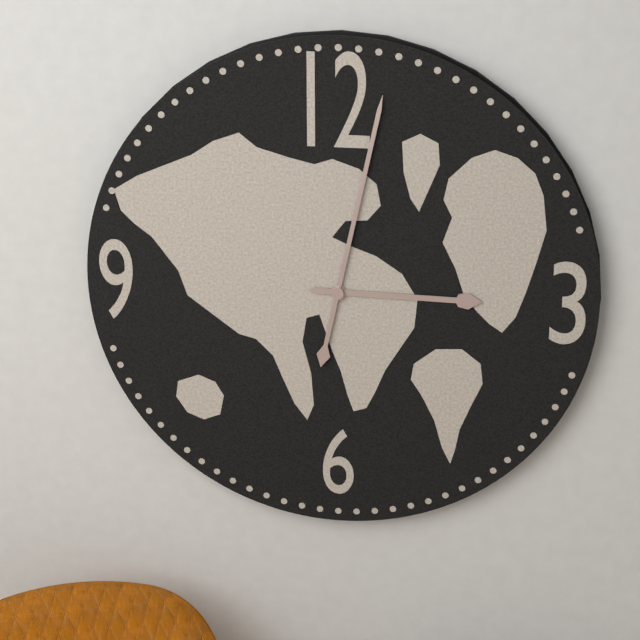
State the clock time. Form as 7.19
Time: 3.02
